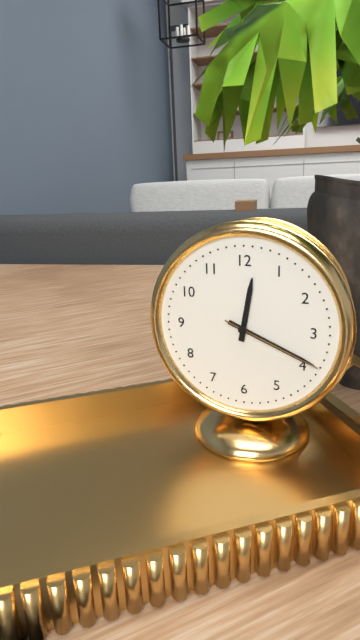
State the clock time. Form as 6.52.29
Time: 12.19.19
